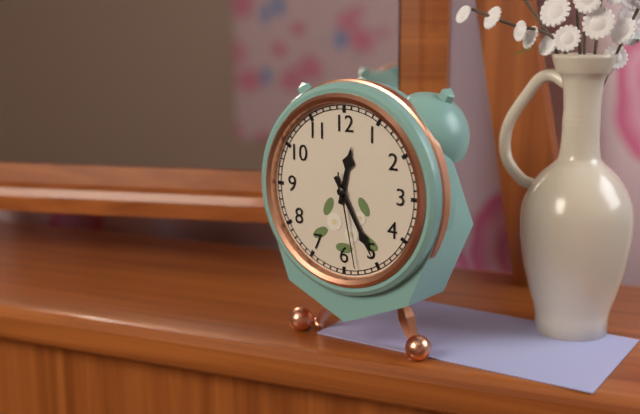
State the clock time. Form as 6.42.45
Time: 12.25.28
